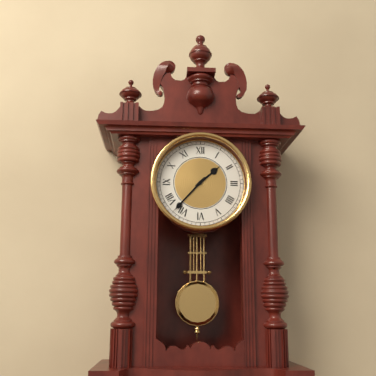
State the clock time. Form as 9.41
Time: 1.37
